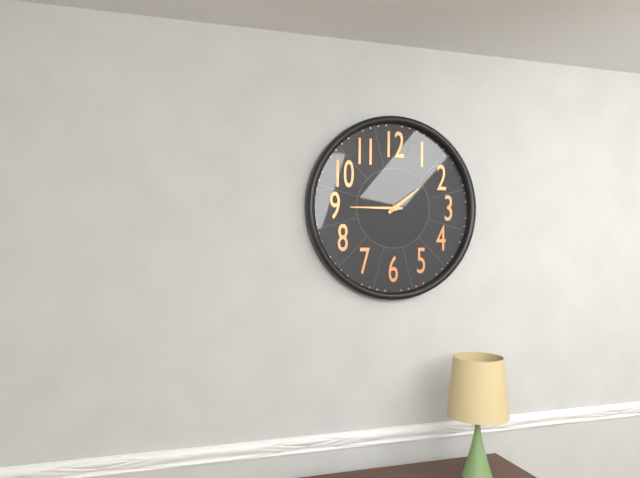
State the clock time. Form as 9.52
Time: 1.45
